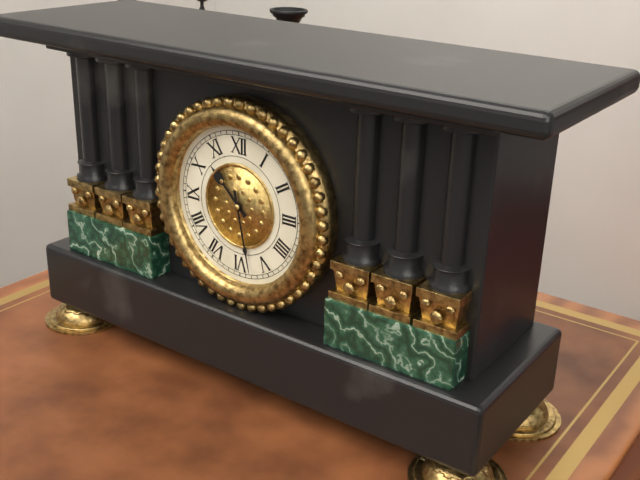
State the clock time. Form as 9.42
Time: 10.28
